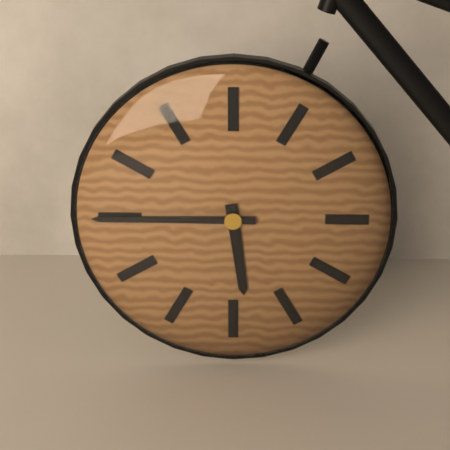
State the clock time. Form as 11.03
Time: 5.45
